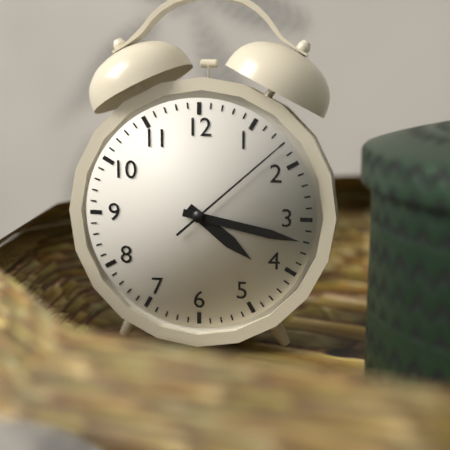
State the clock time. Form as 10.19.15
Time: 4.17.08
